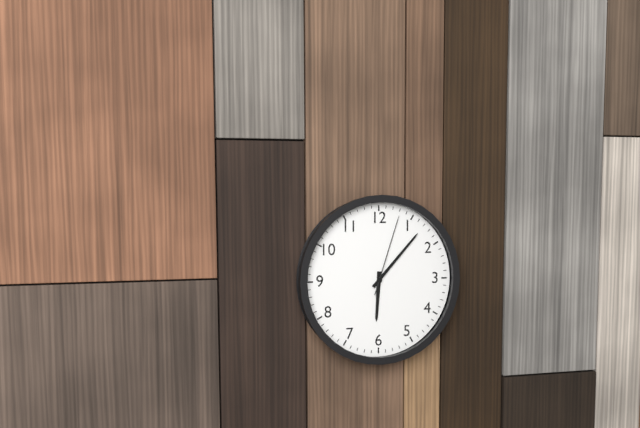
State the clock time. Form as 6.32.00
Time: 6.07.03
